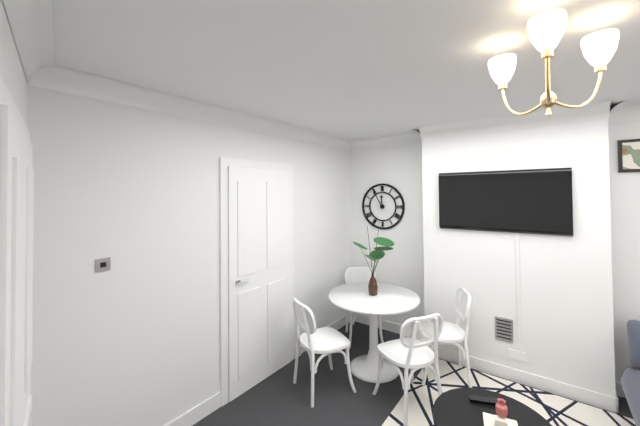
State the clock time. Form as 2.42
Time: 11.55
